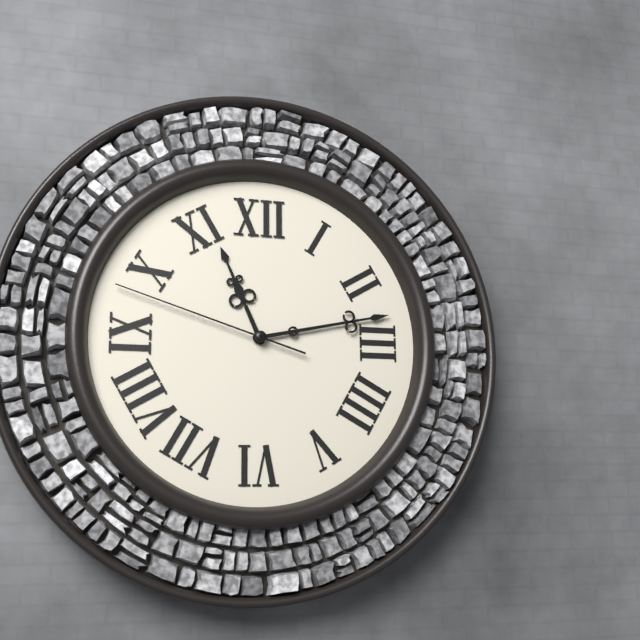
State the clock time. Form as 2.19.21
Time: 11.13.48
